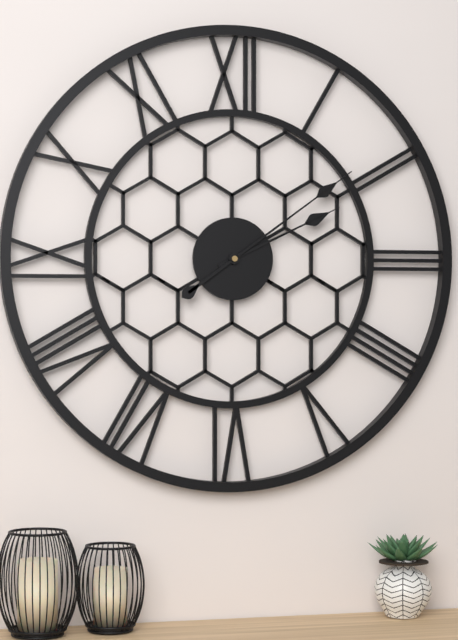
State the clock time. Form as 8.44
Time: 2.09
